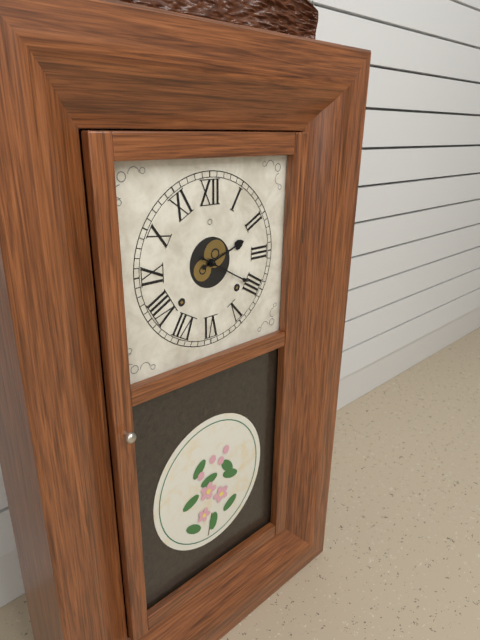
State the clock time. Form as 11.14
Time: 2.20
